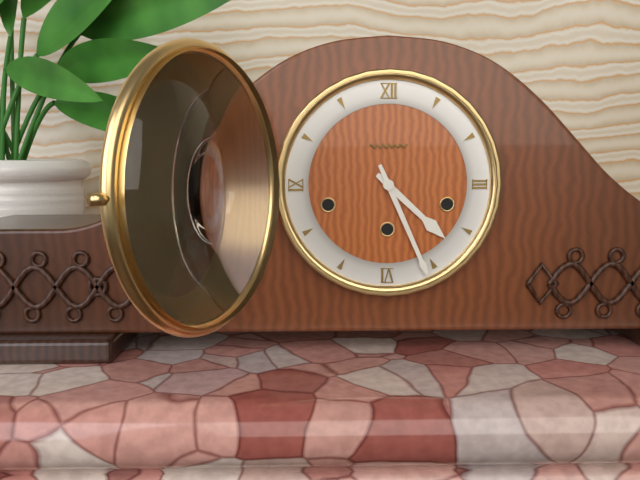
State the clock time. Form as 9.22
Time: 4.26
